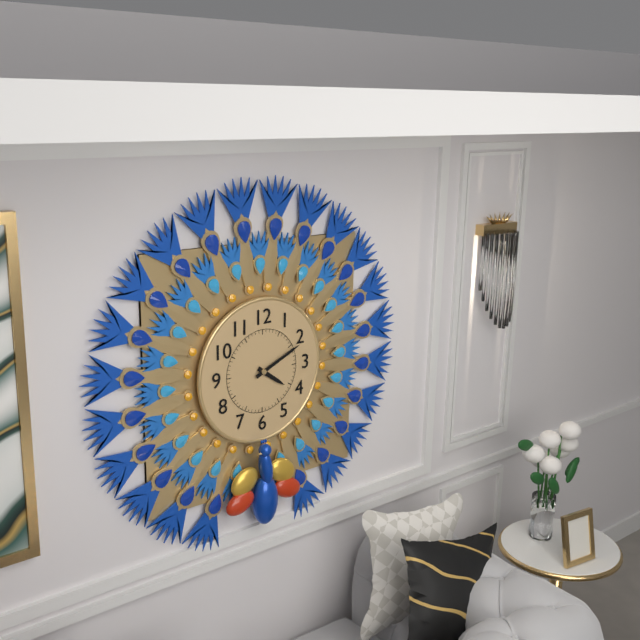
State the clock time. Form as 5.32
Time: 4.11
